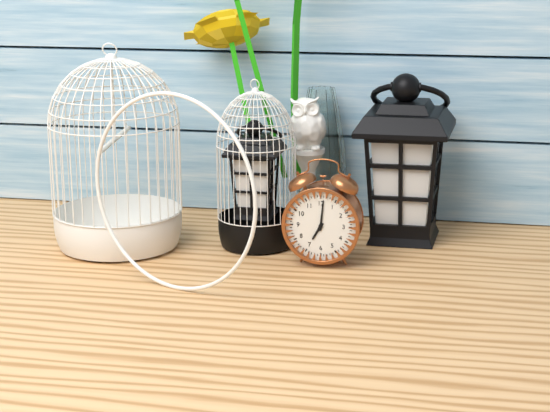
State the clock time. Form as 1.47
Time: 7.01
